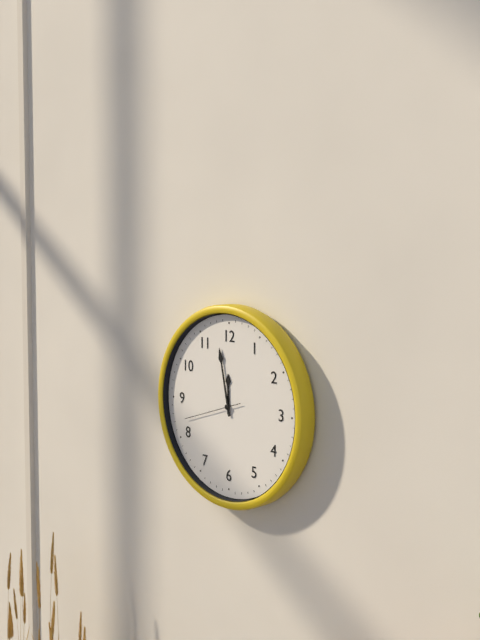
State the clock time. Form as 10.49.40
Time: 11.58.42
